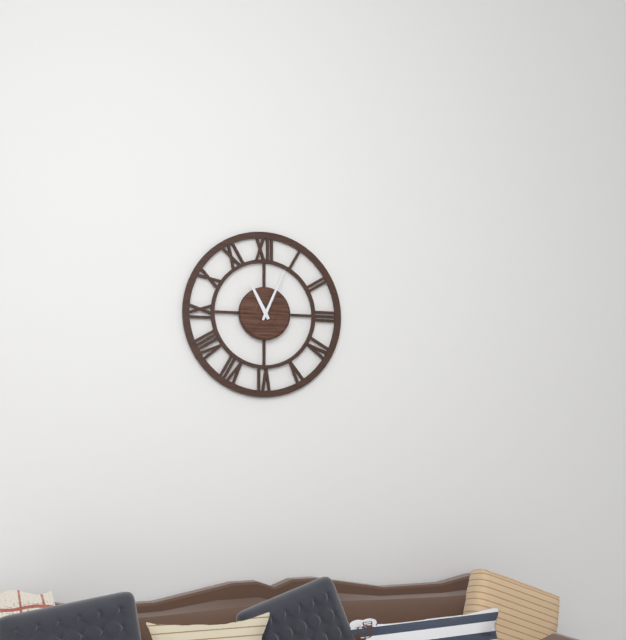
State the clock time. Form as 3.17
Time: 11.04
